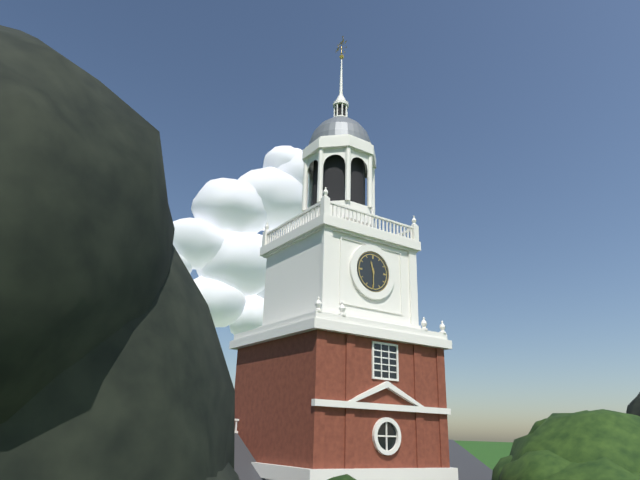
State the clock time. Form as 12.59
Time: 11.30
